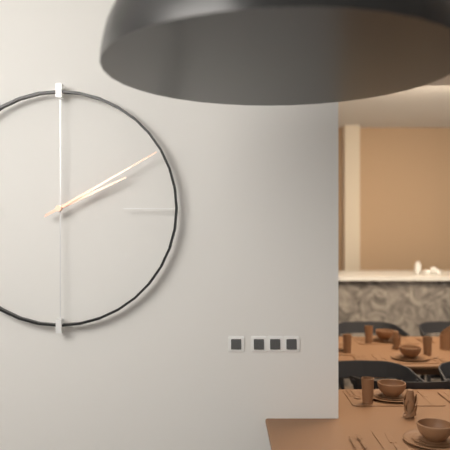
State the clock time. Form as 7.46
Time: 2.10
